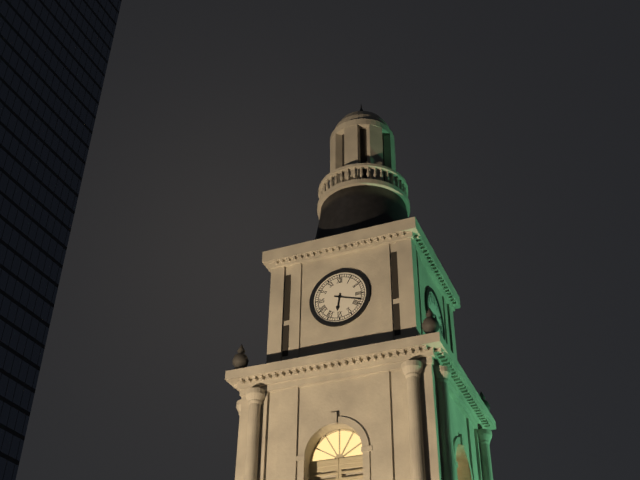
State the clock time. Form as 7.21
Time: 6.18
